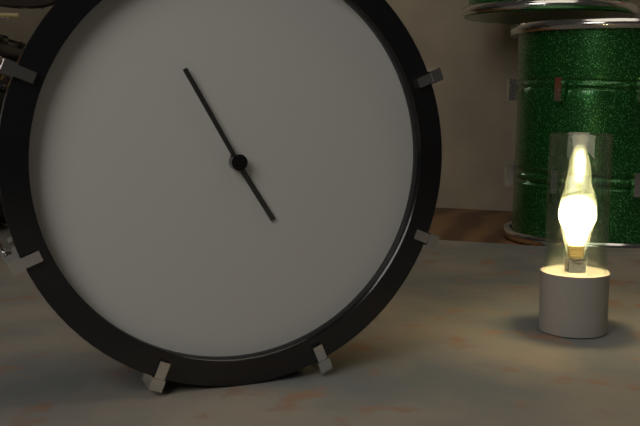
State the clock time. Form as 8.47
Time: 4.55
